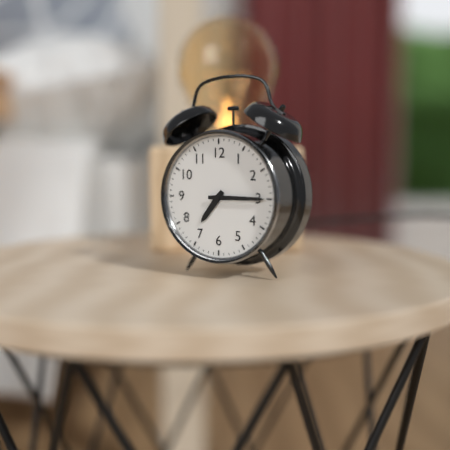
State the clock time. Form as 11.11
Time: 7.15
